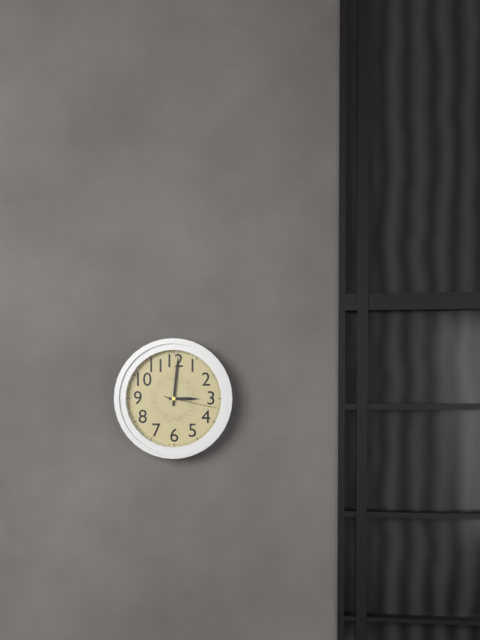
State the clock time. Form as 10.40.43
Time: 3.01.17
